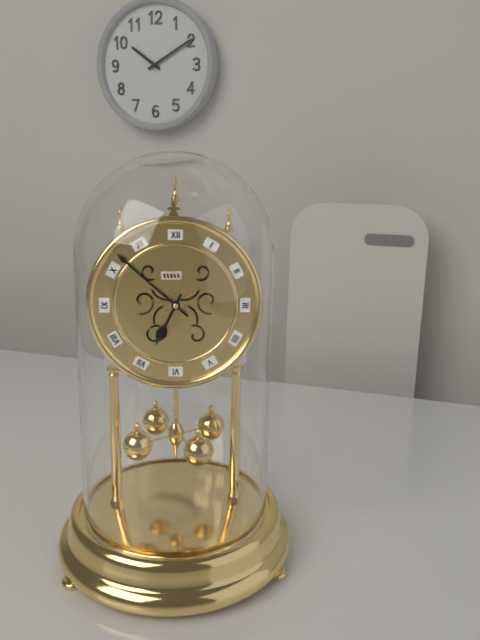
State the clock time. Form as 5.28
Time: 6.52
